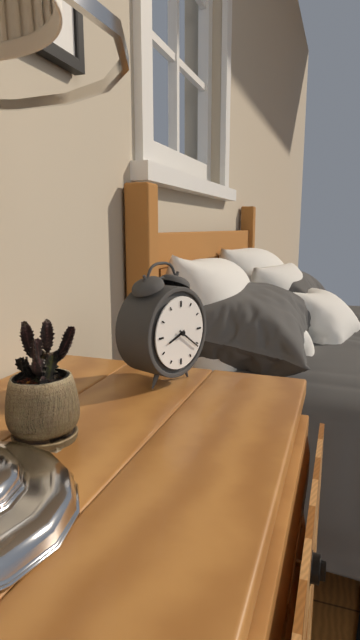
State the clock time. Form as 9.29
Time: 8.21
